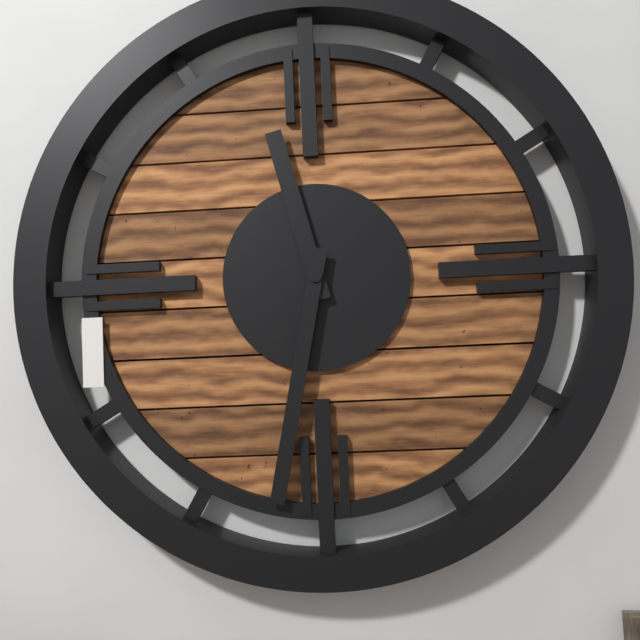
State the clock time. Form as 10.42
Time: 11.32
